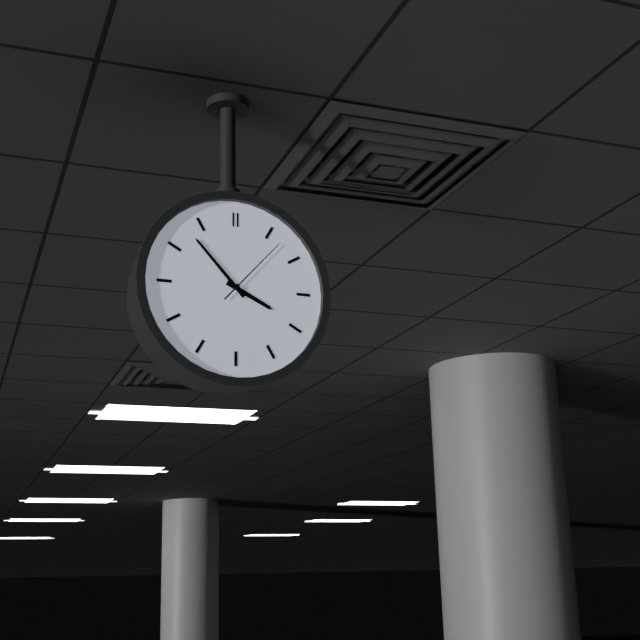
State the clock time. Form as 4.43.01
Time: 3.53.07
